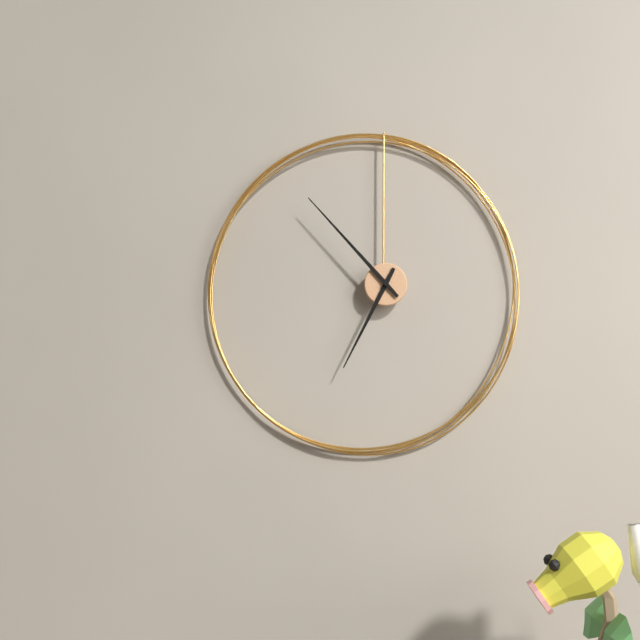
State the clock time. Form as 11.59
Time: 6.53
